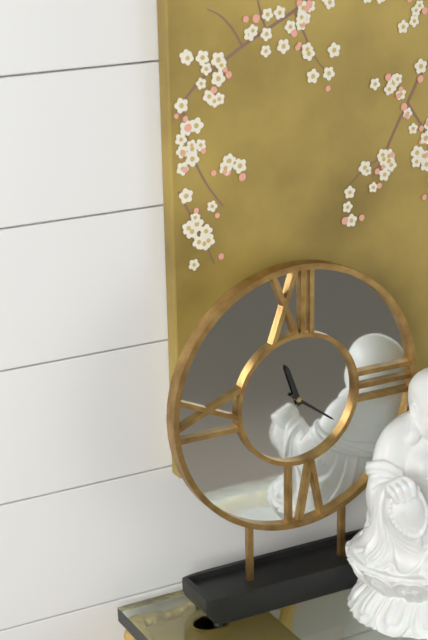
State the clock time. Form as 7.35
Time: 11.21
